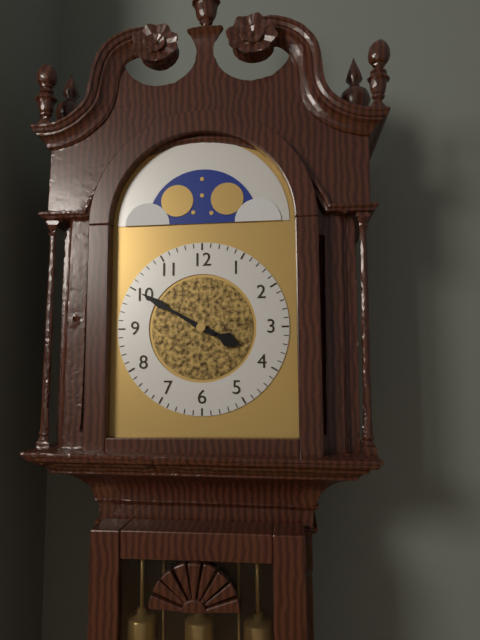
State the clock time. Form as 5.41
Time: 3.50
